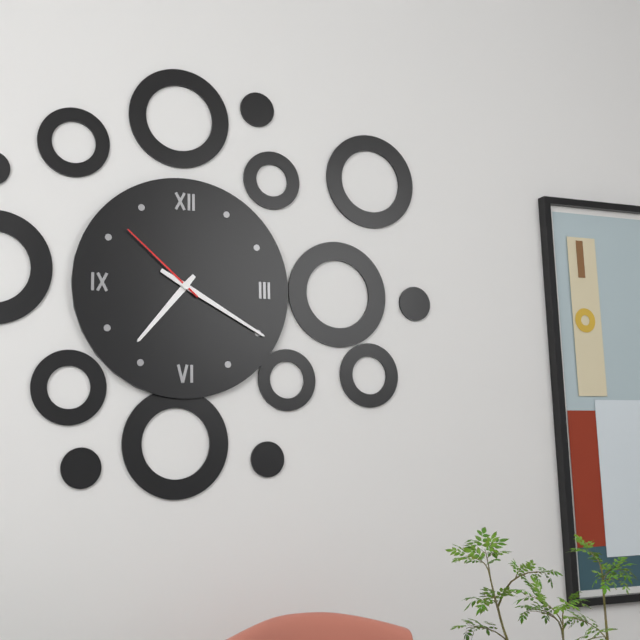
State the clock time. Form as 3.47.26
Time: 7.20.52
